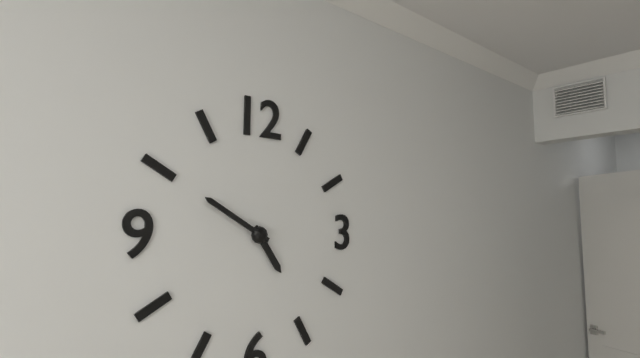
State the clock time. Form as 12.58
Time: 4.50
